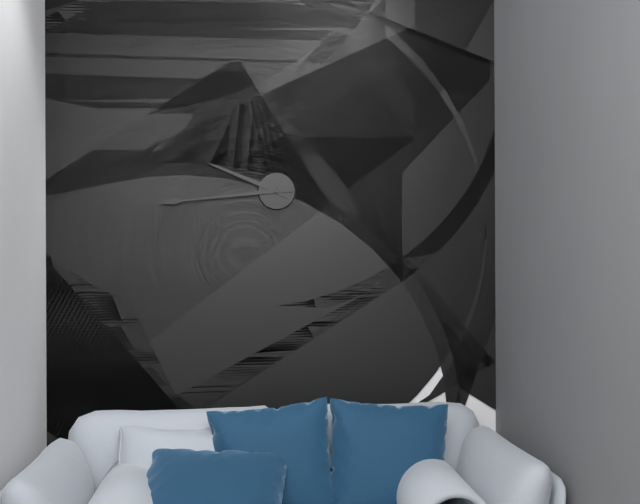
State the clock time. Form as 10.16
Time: 9.44
